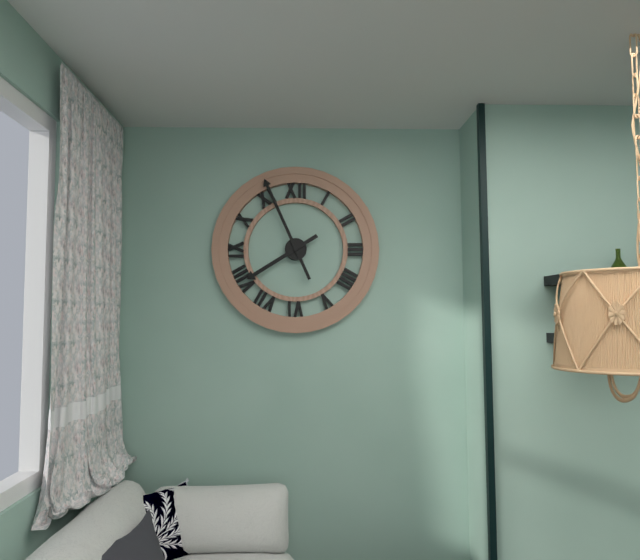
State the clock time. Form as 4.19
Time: 7.56
